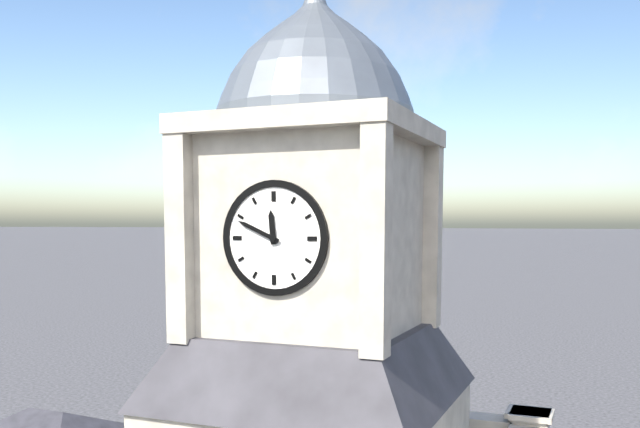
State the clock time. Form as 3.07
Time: 11.49
